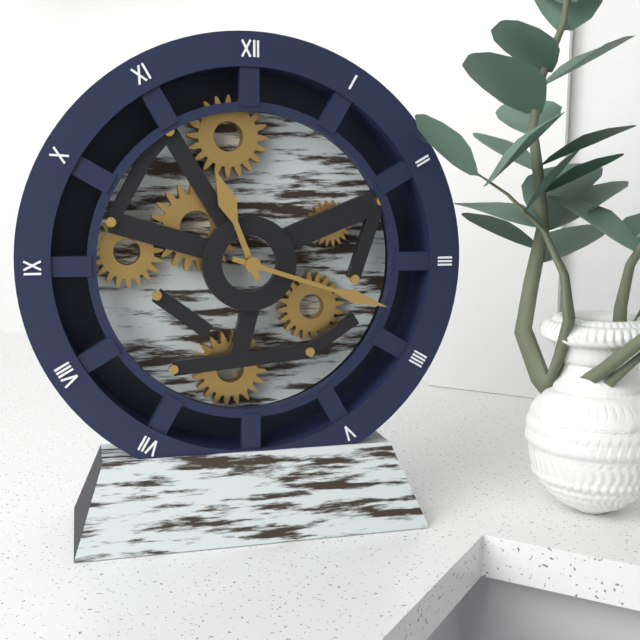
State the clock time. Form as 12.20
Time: 11.18
